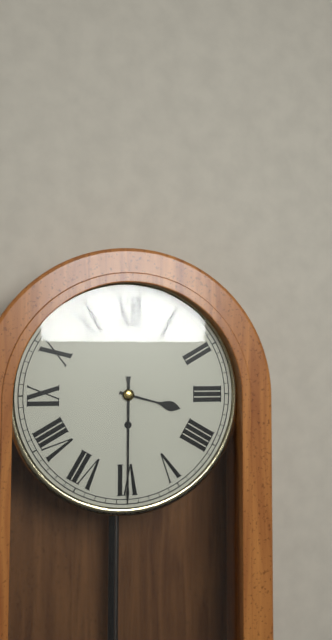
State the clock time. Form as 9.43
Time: 3.30
